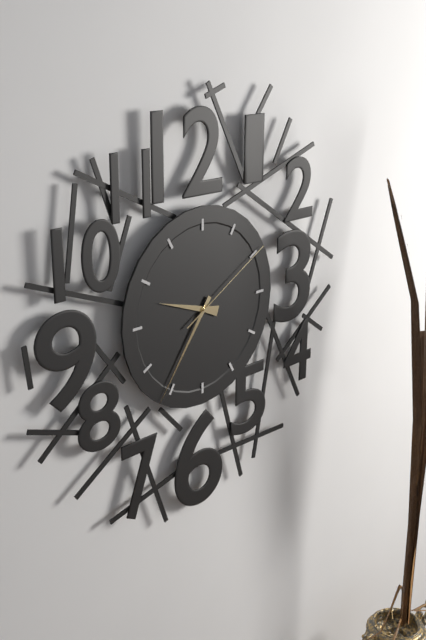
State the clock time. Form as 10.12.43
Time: 9.36.10
